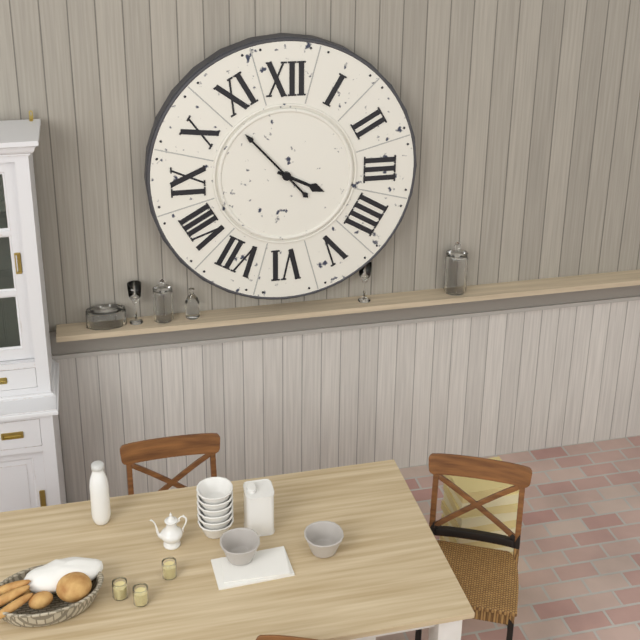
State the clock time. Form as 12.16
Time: 3.53
